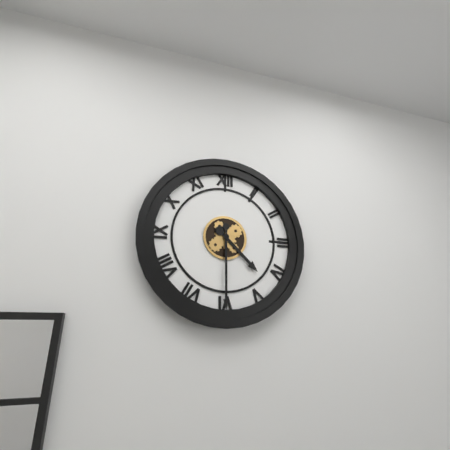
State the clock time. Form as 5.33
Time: 4.30
